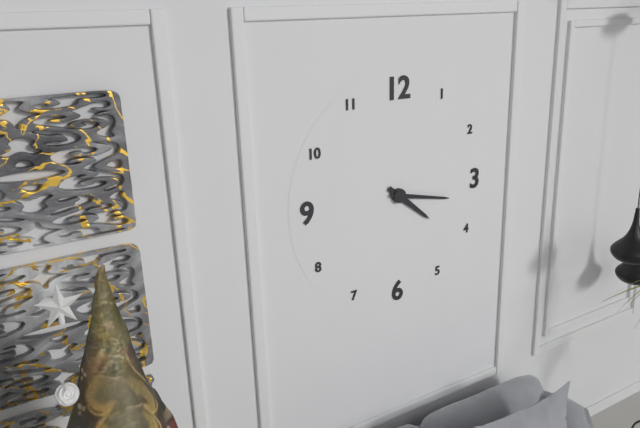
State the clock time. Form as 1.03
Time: 4.17
